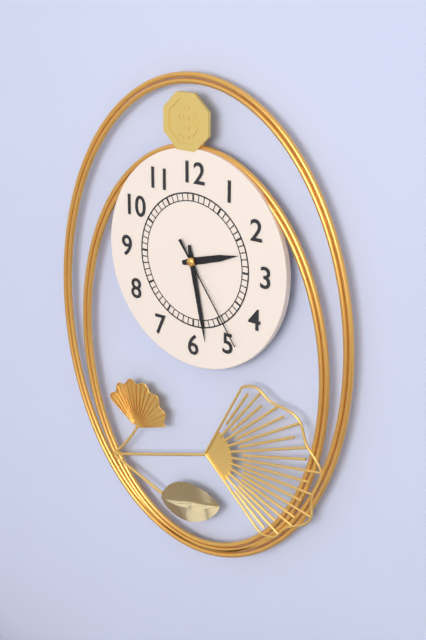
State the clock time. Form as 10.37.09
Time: 2.28.24
